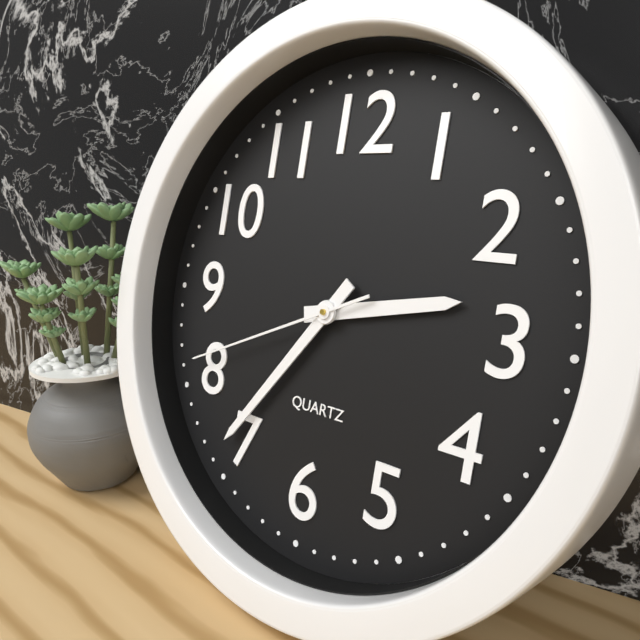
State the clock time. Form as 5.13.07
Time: 2.36.41
